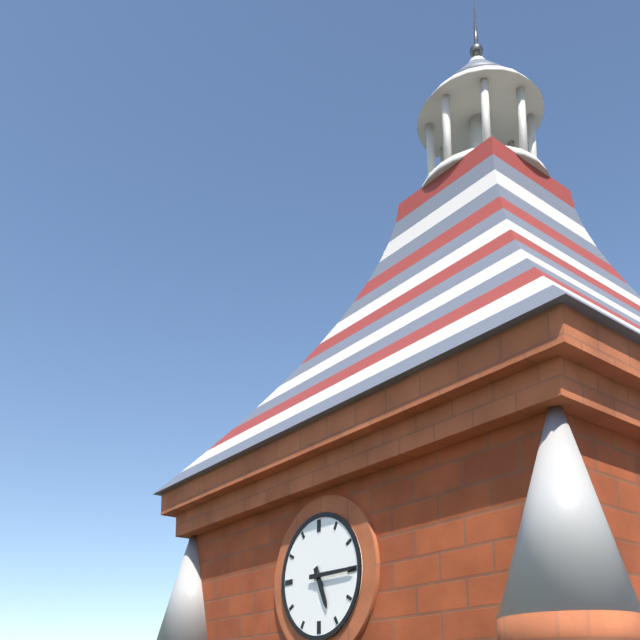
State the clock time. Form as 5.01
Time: 5.15
